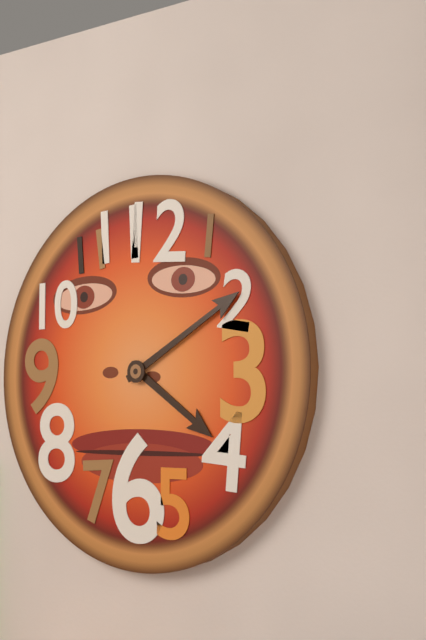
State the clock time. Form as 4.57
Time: 4.10
